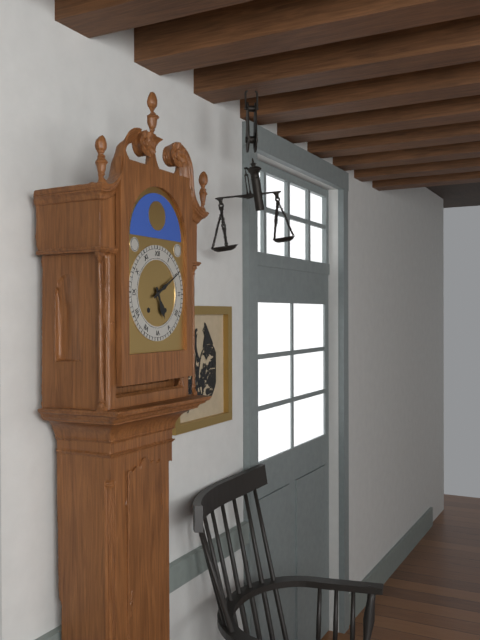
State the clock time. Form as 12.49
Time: 5.10
